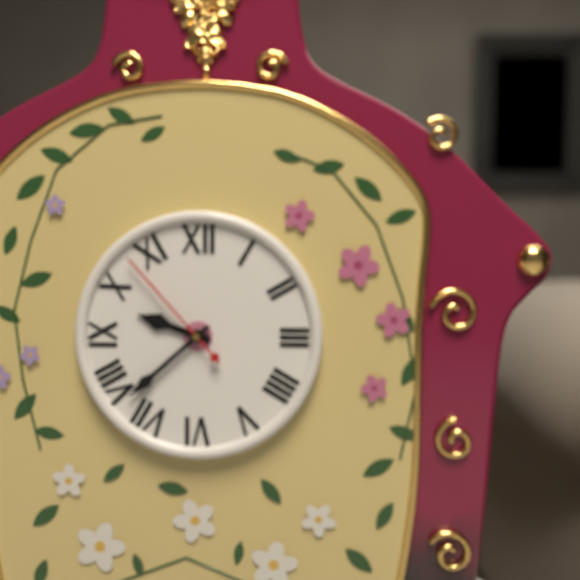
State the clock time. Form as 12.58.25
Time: 9.38.53
